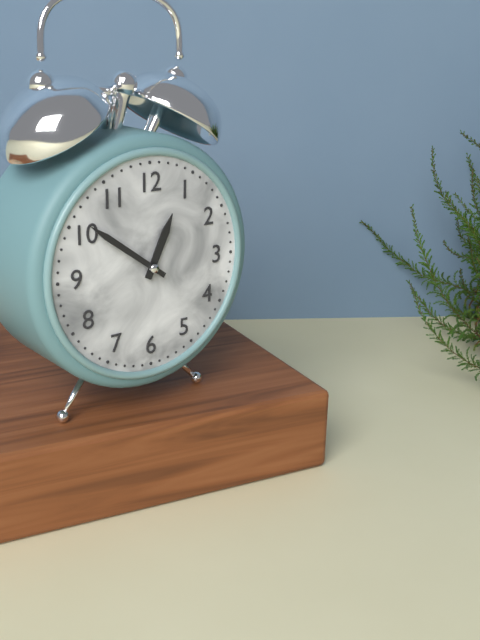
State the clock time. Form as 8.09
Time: 12.51
